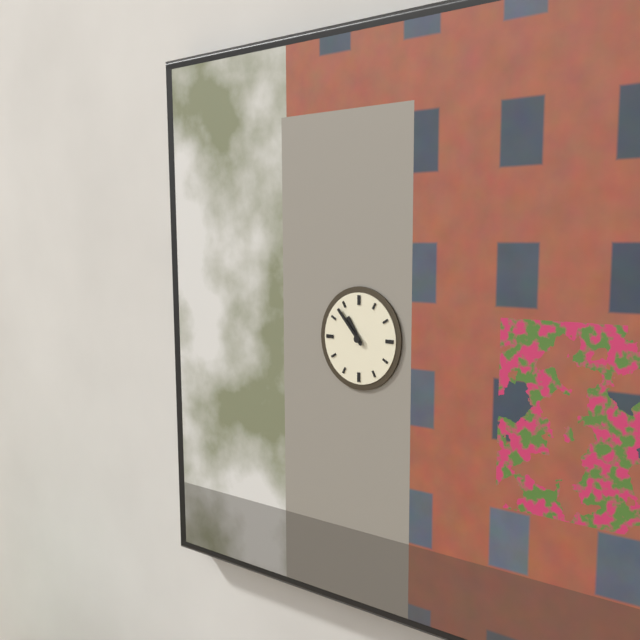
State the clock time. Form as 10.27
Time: 10.53
